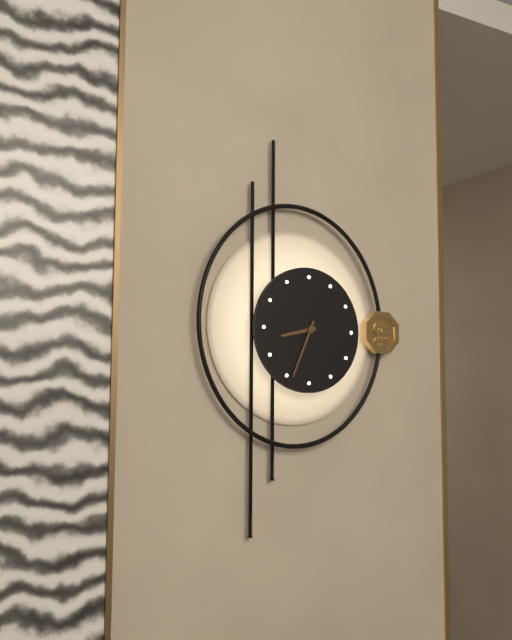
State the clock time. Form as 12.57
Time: 8.34
